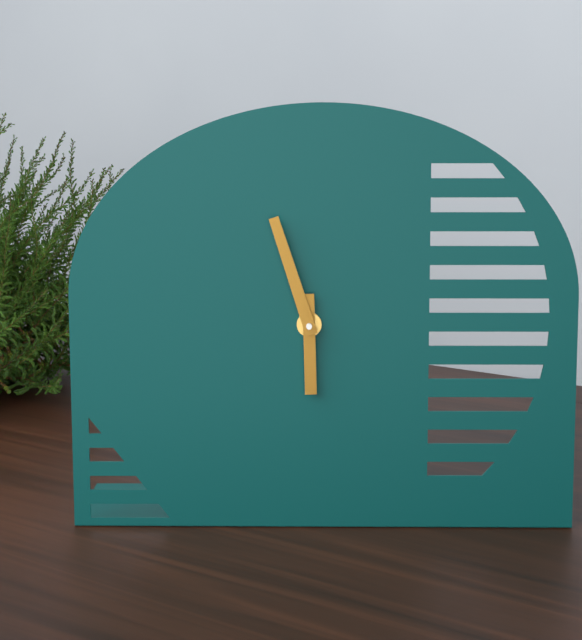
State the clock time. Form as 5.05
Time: 5.57
